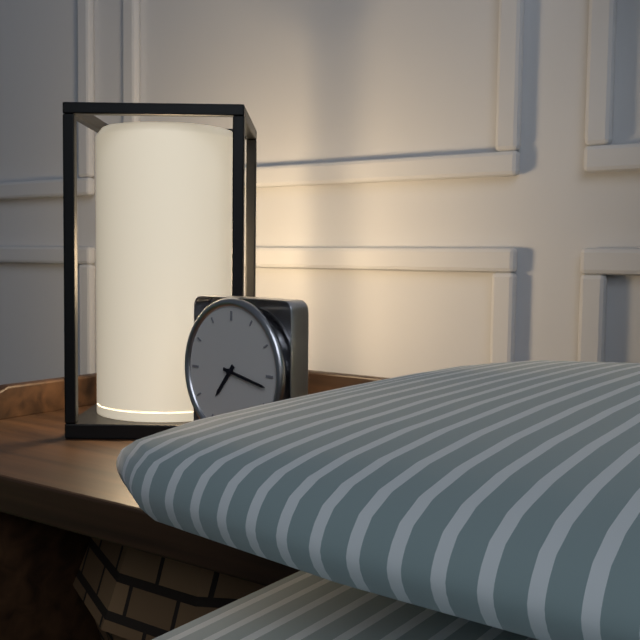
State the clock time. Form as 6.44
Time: 7.17
